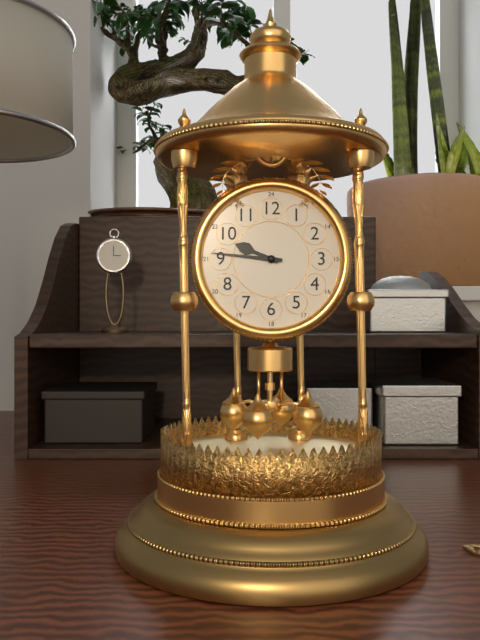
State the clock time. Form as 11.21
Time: 9.46
